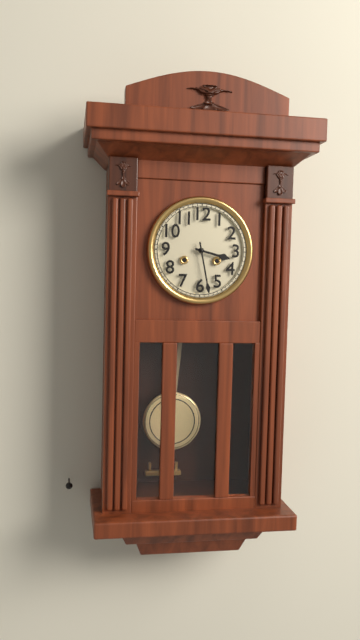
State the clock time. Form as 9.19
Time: 3.28
